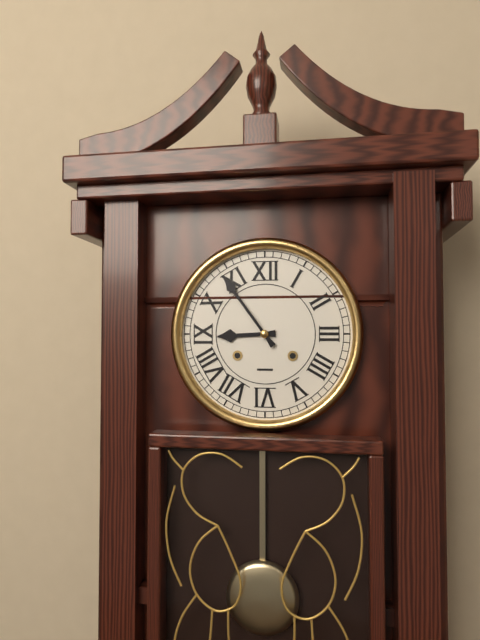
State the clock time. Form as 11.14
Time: 8.54
